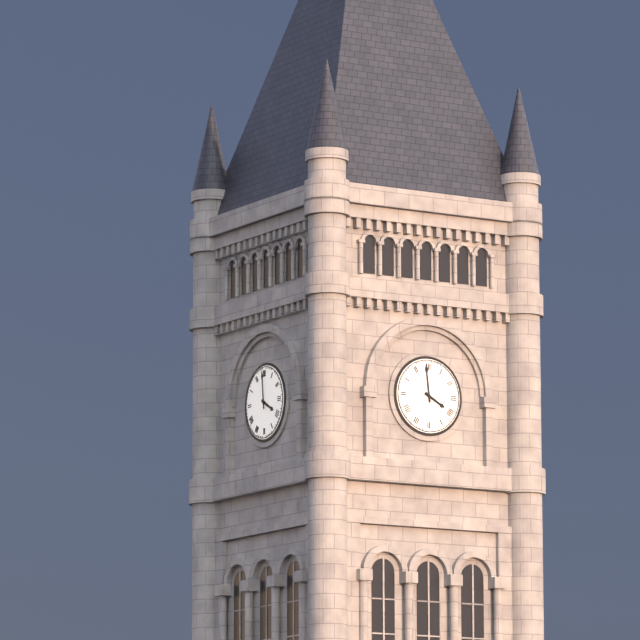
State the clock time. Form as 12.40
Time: 3.59
